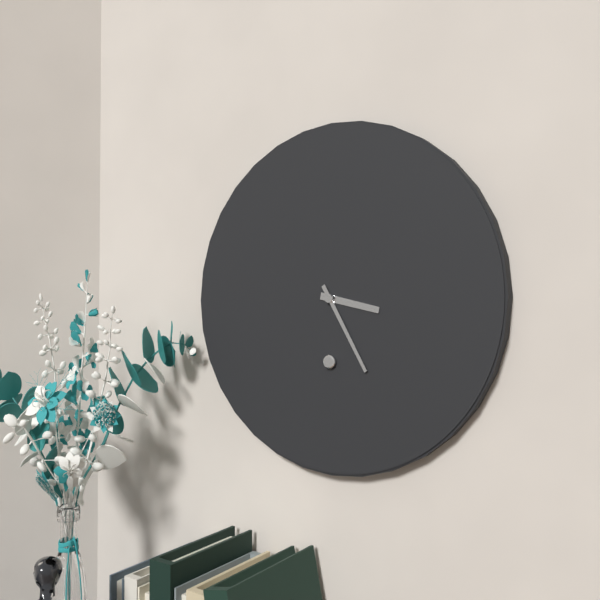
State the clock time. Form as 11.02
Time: 3.25
